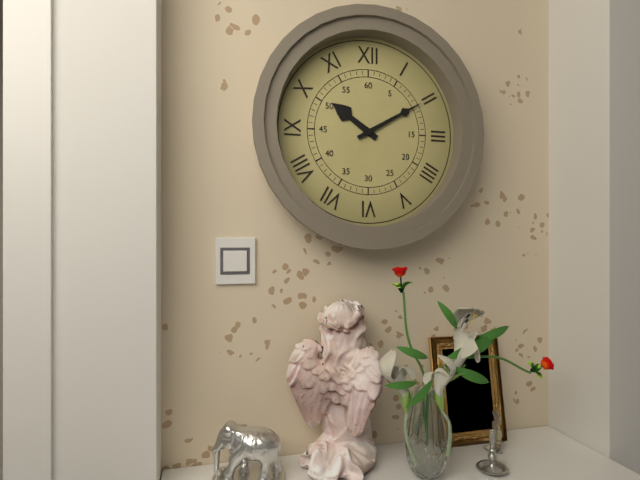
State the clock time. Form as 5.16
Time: 10.10
